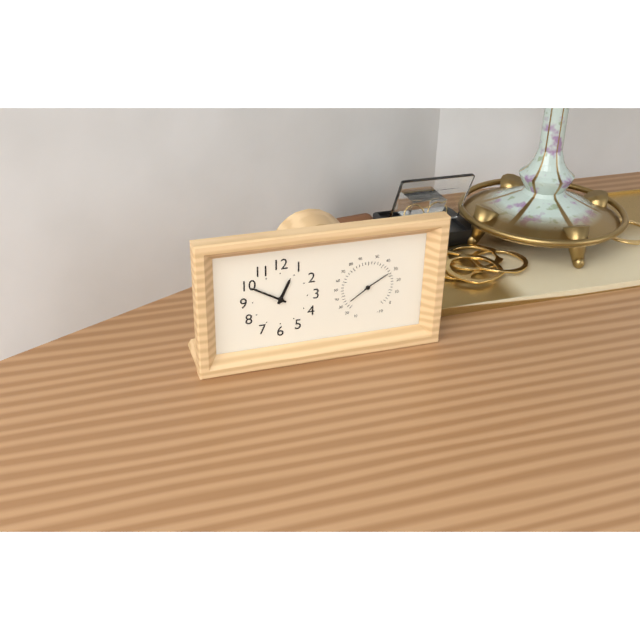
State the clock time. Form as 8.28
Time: 12.50
